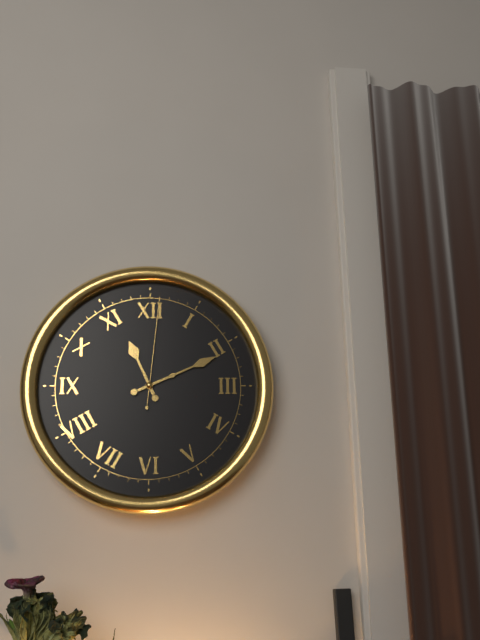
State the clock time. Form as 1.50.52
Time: 11.11.01
